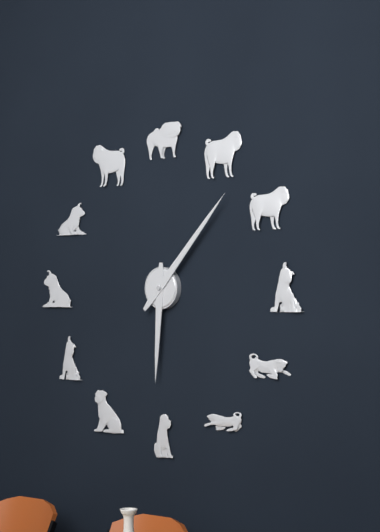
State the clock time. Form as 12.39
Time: 6.07
